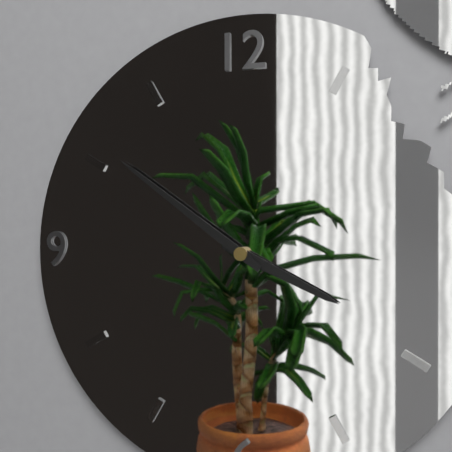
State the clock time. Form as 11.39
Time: 3.51
